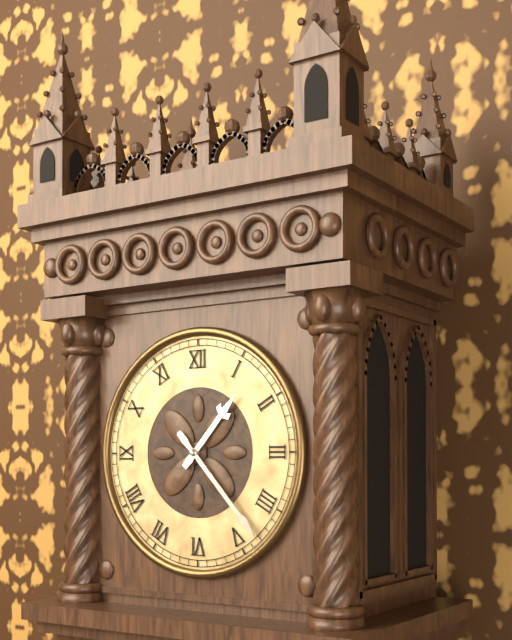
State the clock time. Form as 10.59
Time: 1.23
